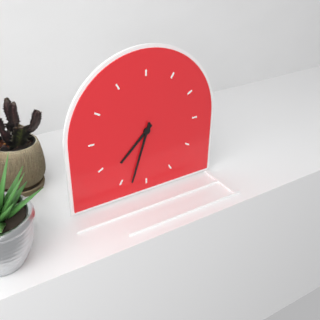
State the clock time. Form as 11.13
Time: 7.33
